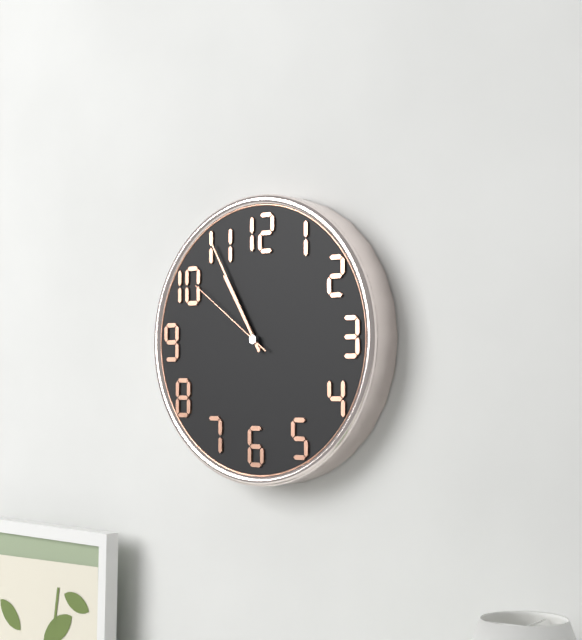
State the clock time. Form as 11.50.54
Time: 10.55.51
